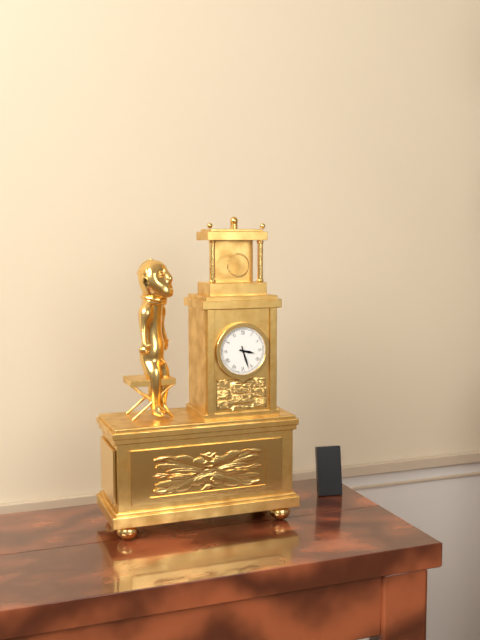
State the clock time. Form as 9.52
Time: 3.27
